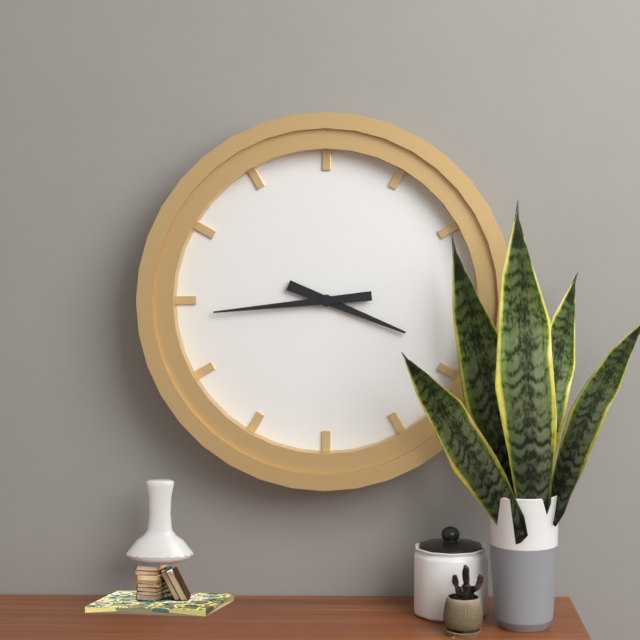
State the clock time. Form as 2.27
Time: 3.44
